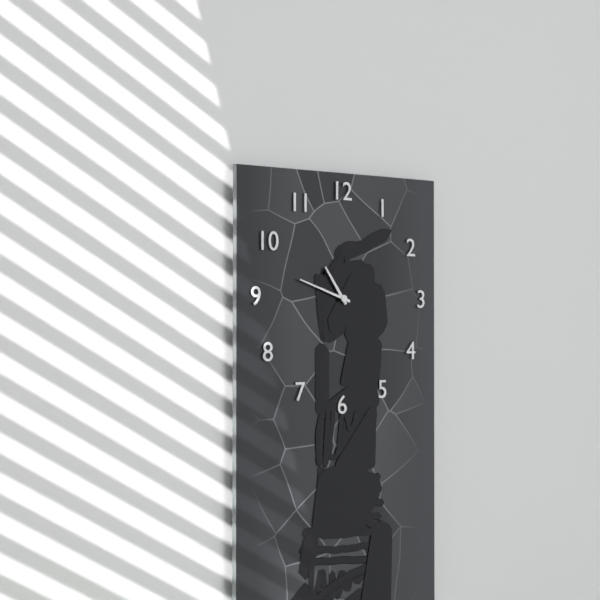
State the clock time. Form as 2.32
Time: 10.48
